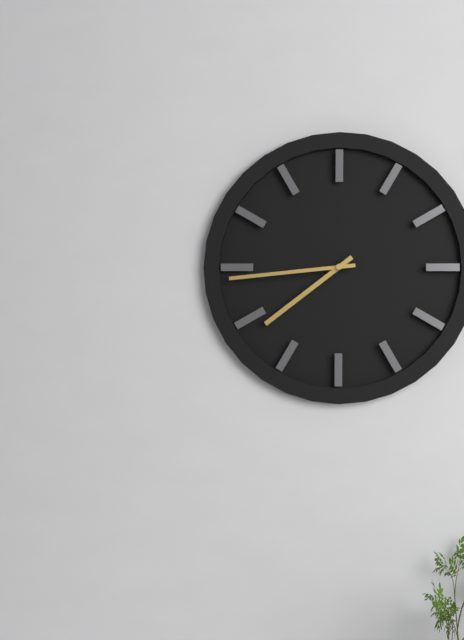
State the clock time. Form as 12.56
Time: 7.44
